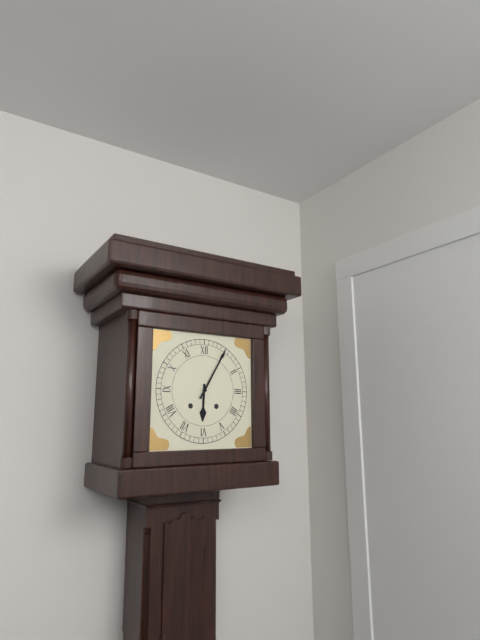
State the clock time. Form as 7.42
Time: 6.05
